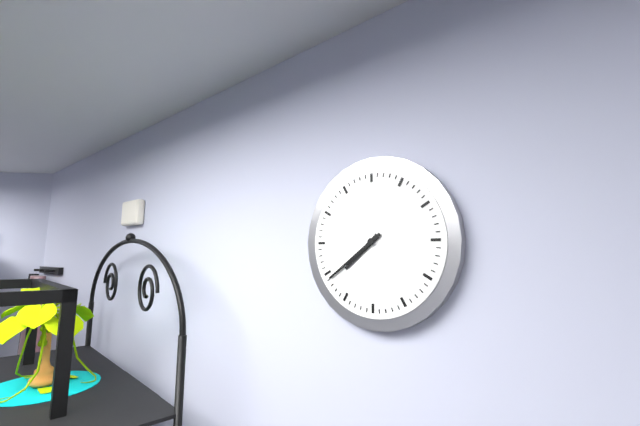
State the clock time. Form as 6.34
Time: 7.39
